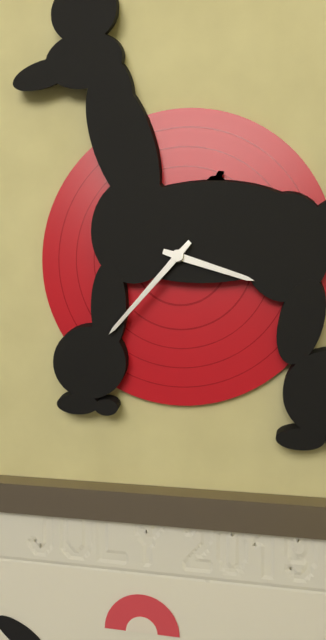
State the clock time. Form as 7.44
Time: 3.37
